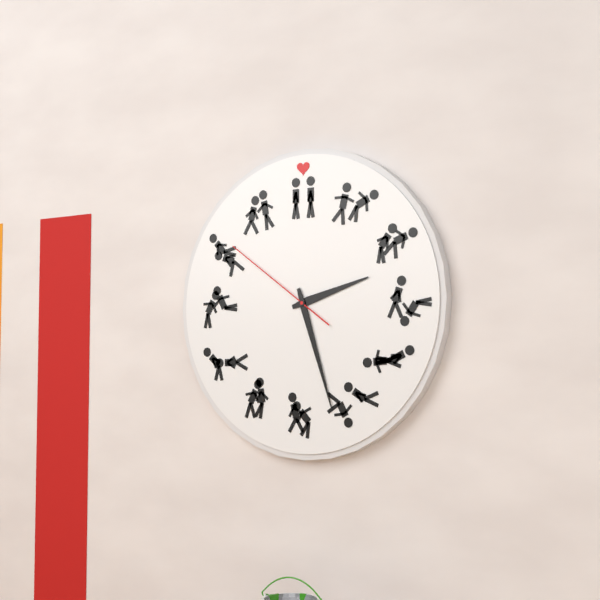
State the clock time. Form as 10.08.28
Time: 2.27.51
